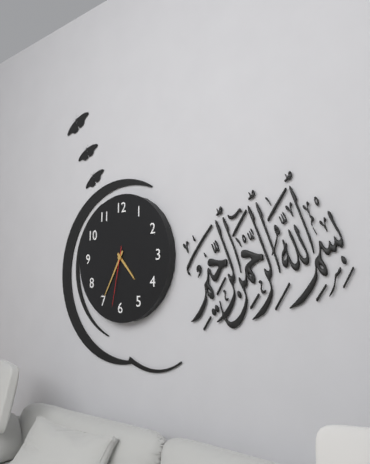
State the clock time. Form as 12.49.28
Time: 4.35.32
